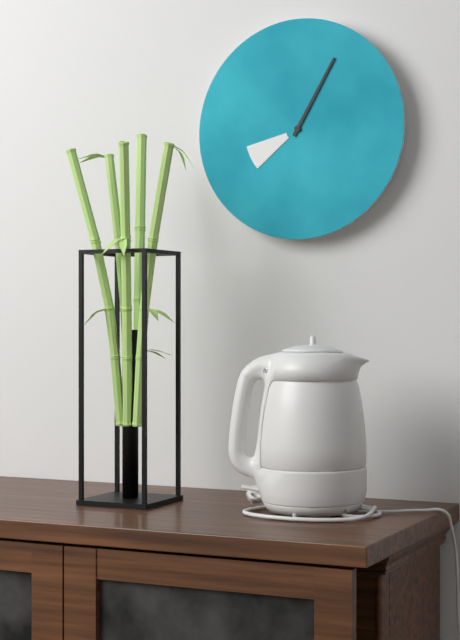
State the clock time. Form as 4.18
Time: 8.05
